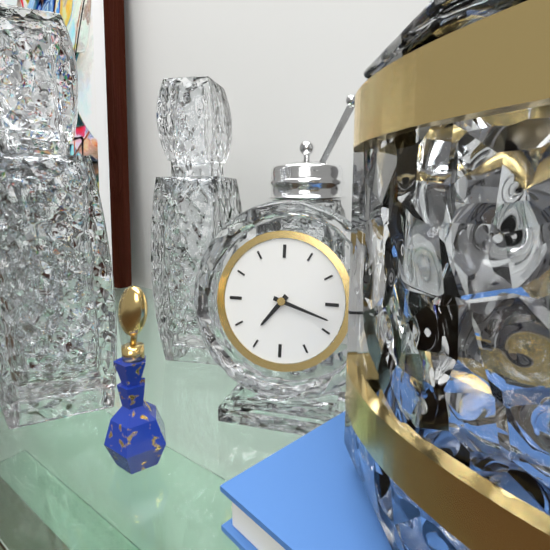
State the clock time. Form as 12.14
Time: 7.18
